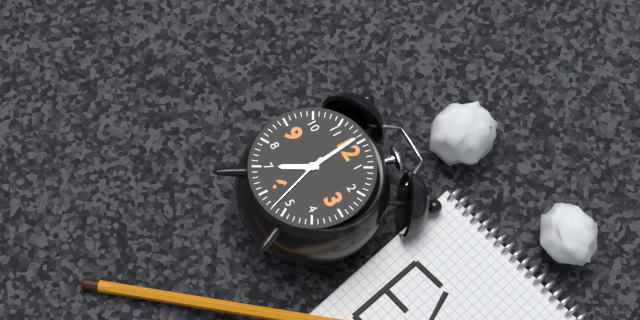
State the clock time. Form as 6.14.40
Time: 6.59.27
